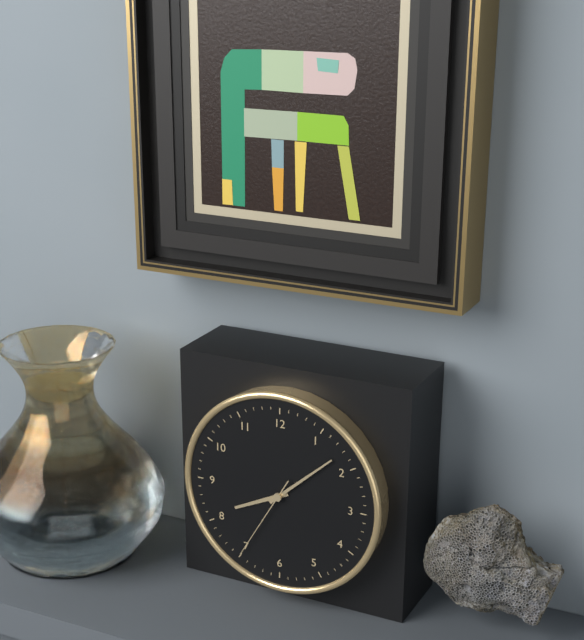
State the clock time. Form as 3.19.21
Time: 8.08.35
